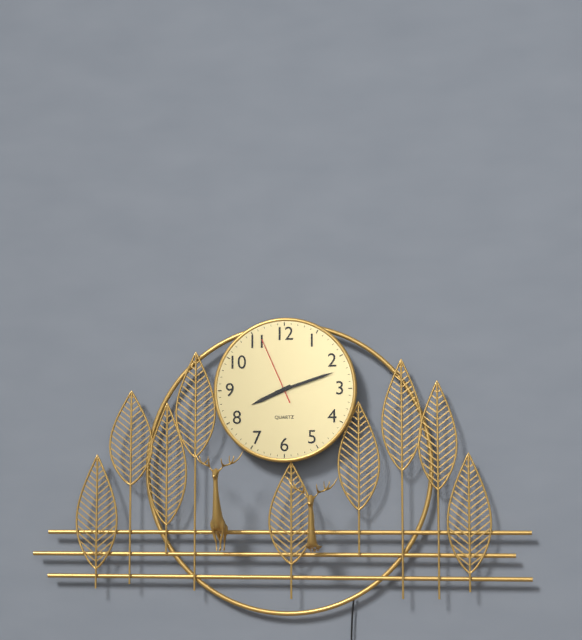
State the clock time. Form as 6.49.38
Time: 8.12.56
